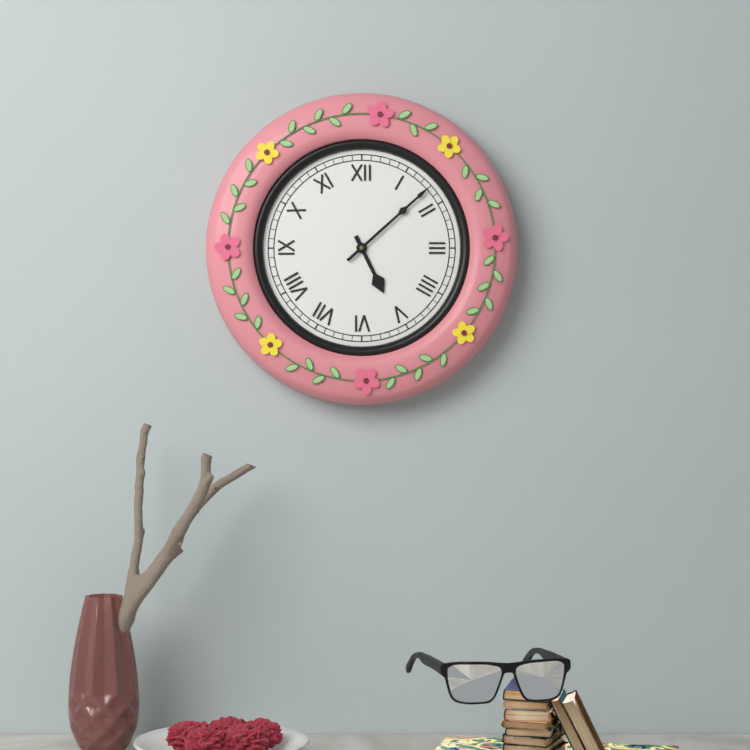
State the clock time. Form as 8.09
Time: 5.08
